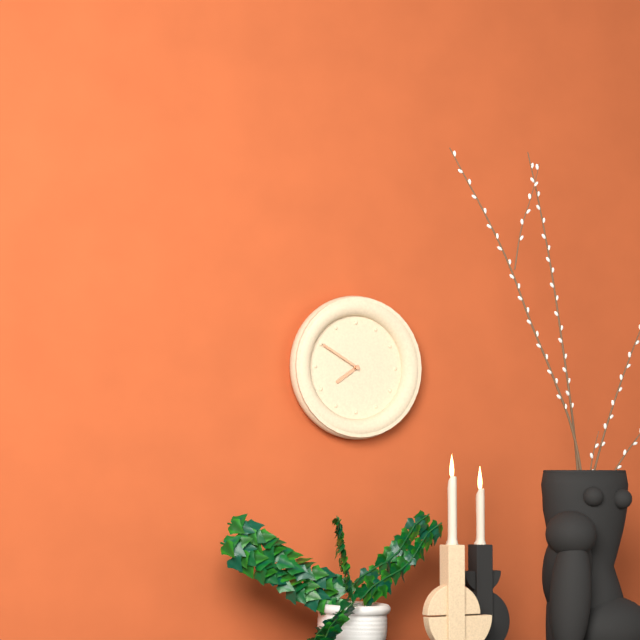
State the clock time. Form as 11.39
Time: 7.50
